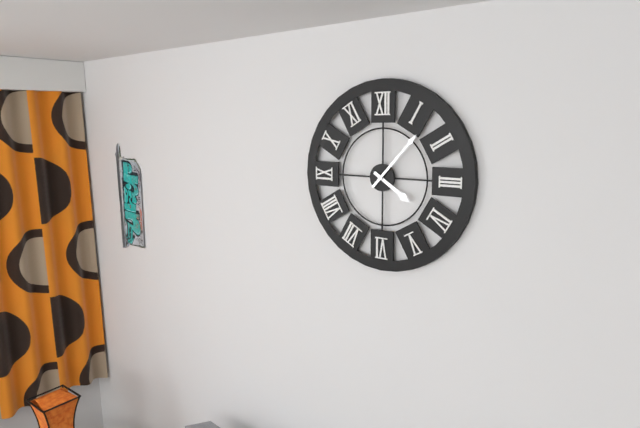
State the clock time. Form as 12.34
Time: 4.07
